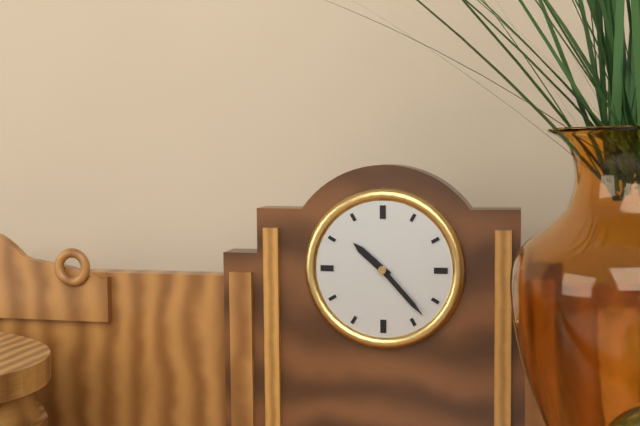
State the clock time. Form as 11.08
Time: 10.23
